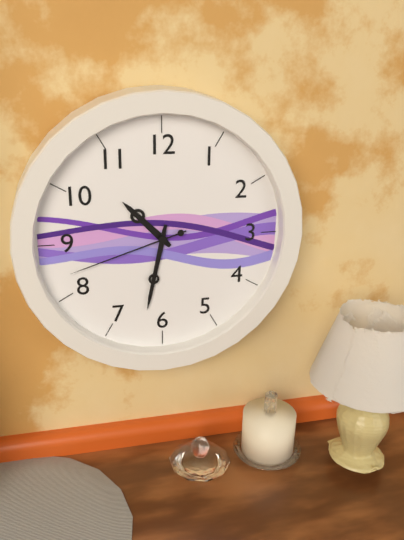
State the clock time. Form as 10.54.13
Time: 10.32.42
